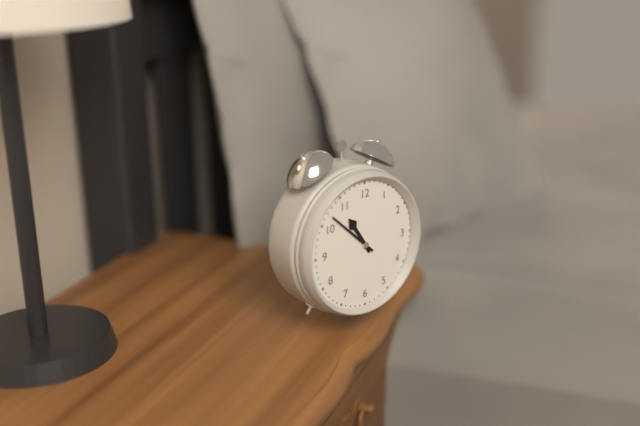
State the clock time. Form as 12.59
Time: 10.52
